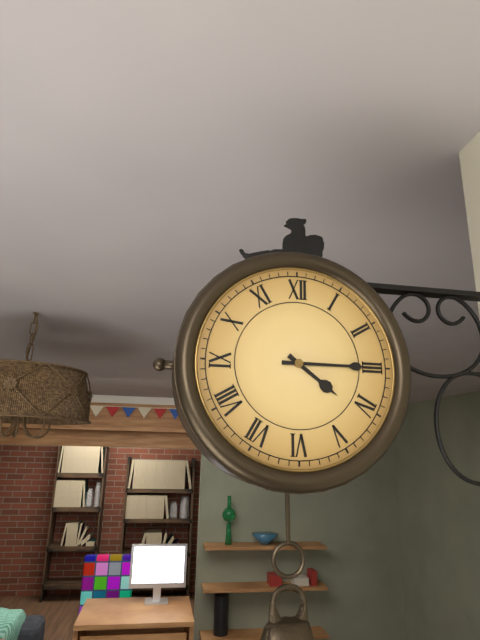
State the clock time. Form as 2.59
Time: 4.15
